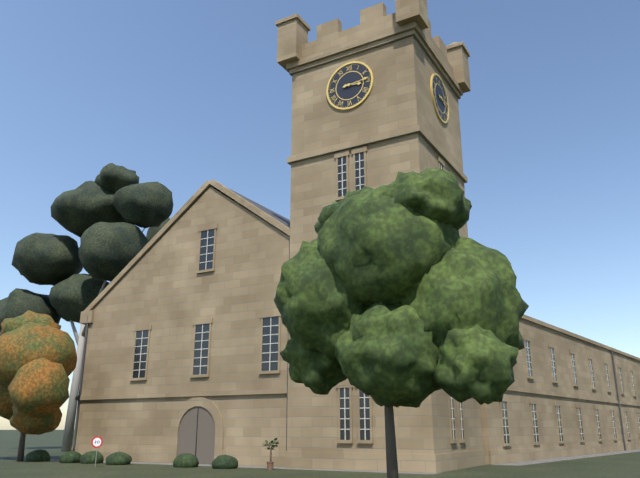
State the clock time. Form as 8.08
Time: 3.14
